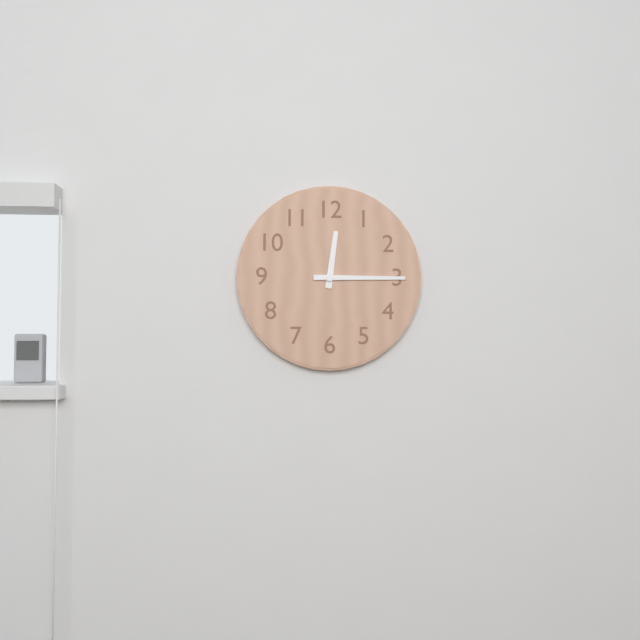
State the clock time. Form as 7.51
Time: 12.15
